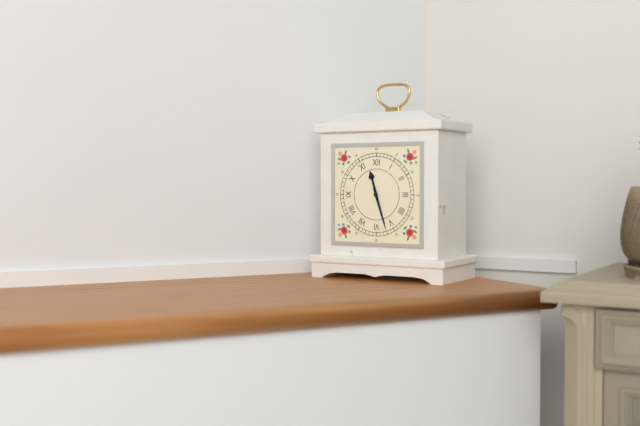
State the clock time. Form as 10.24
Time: 11.27
